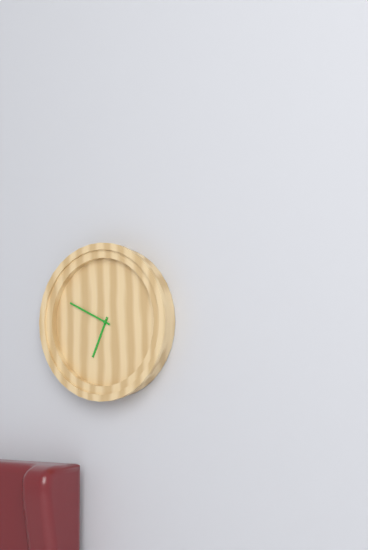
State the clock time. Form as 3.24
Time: 6.49
